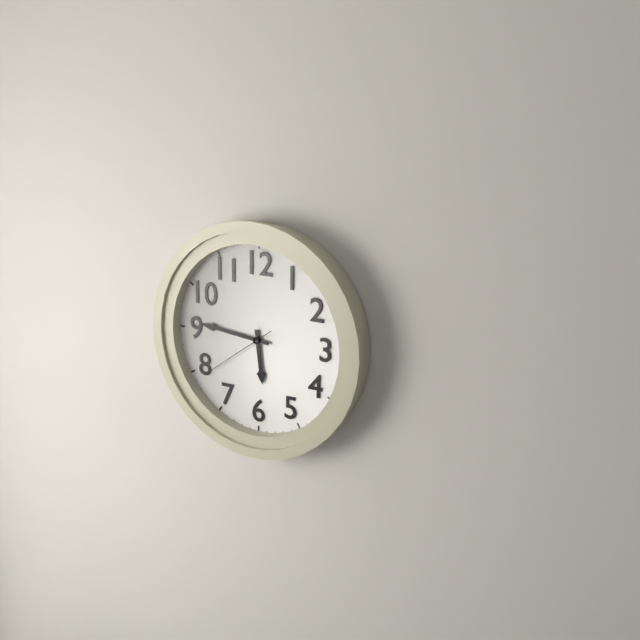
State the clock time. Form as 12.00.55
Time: 5.46.39
